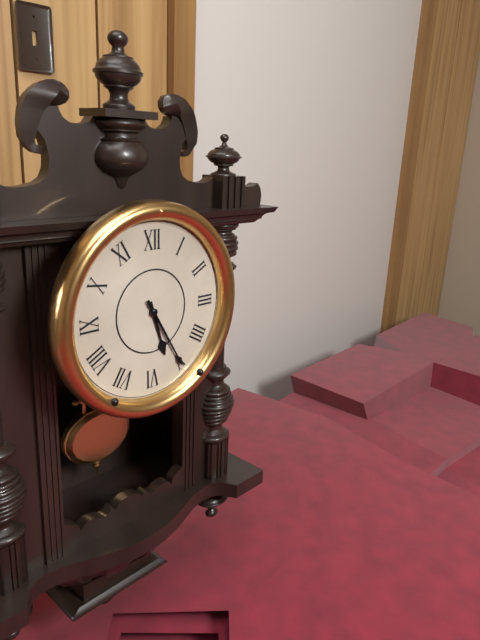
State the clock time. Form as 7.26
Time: 5.25
